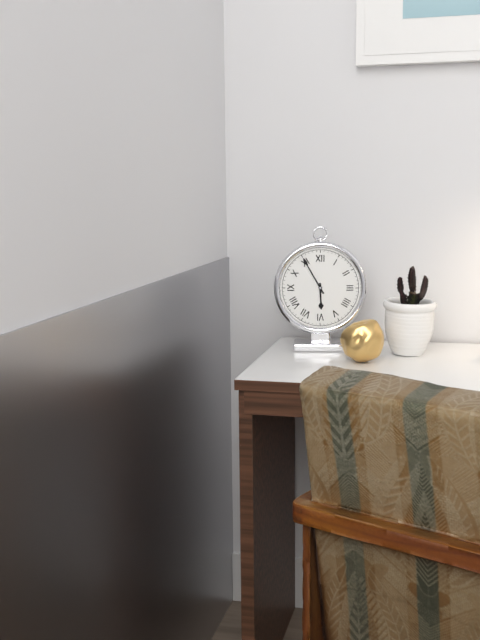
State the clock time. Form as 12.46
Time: 5.55
